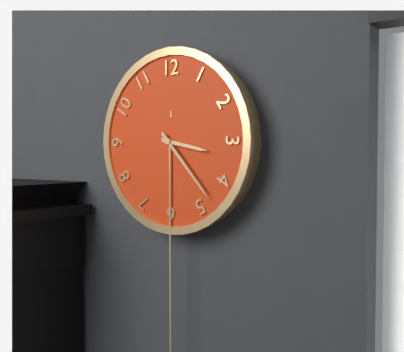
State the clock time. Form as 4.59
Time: 3.23
